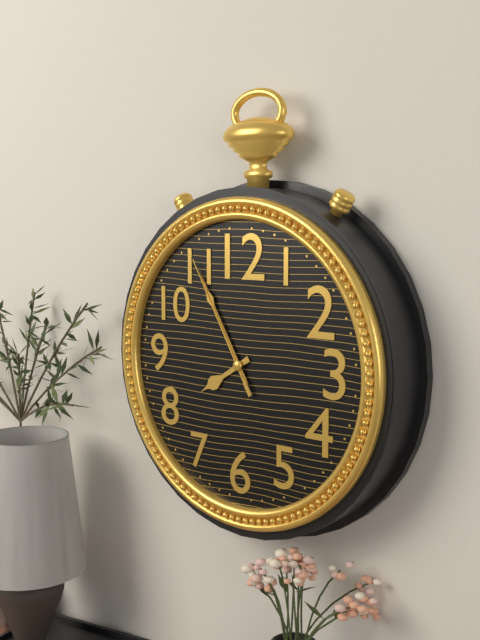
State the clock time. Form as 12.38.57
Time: 7.55.55
